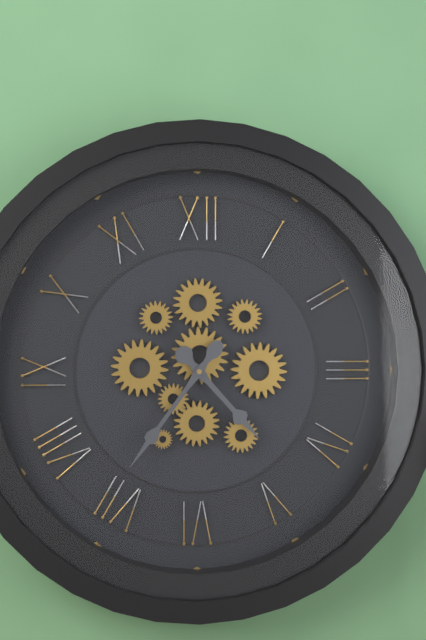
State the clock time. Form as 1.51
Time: 4.36
